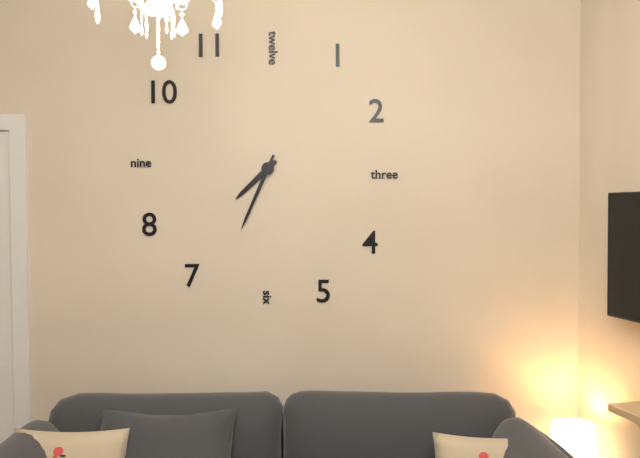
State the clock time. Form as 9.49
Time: 7.34
